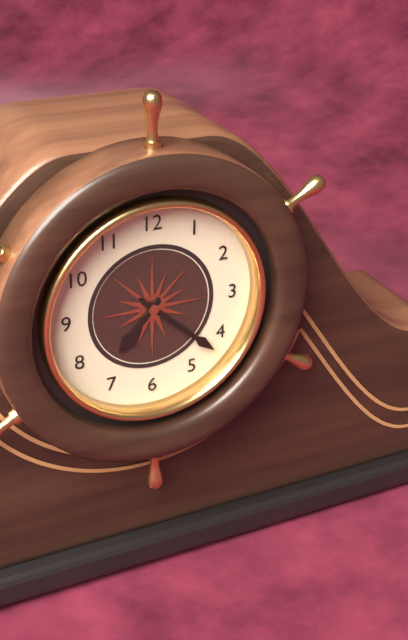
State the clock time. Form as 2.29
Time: 7.22
